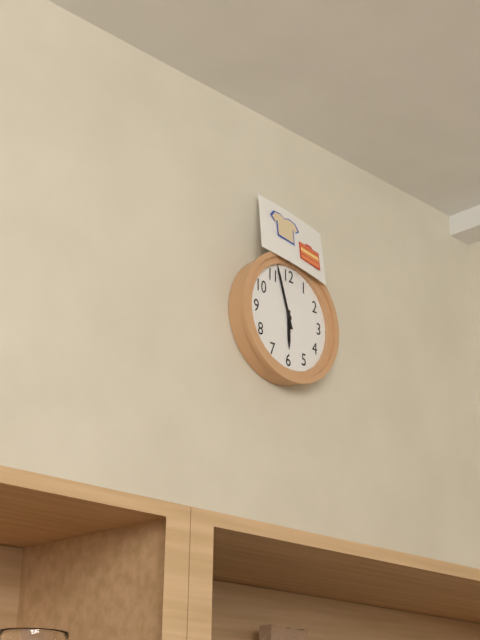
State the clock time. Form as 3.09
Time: 5.57
